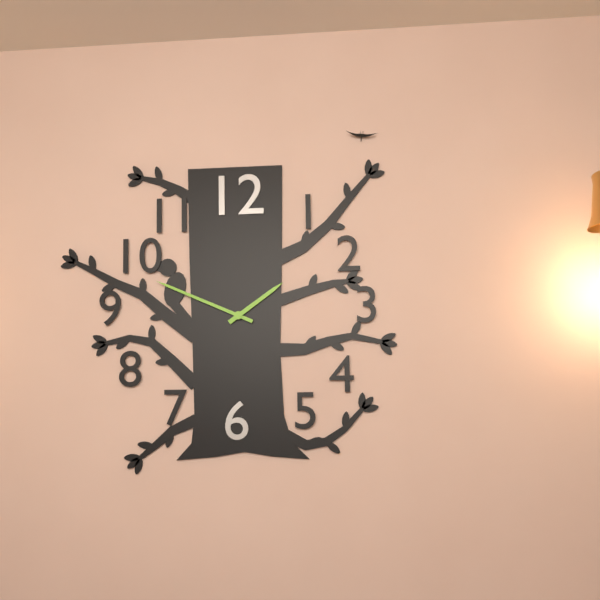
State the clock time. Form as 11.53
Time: 1.49
